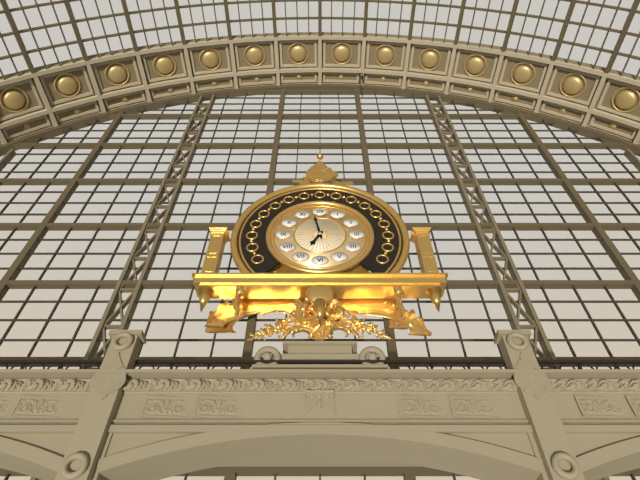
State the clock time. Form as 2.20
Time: 6.58
